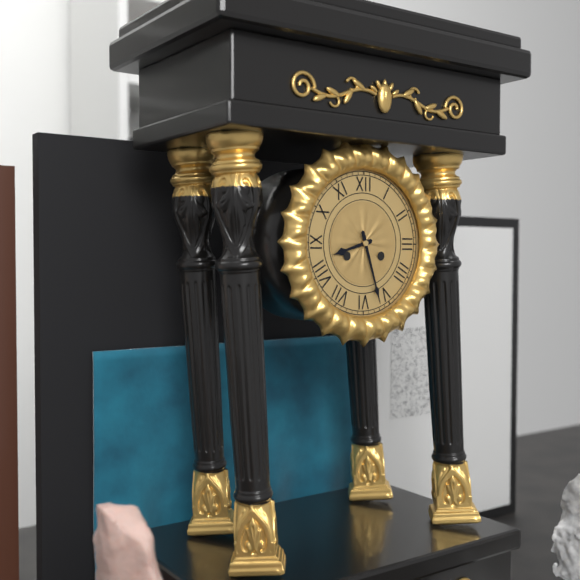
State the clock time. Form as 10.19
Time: 8.27
